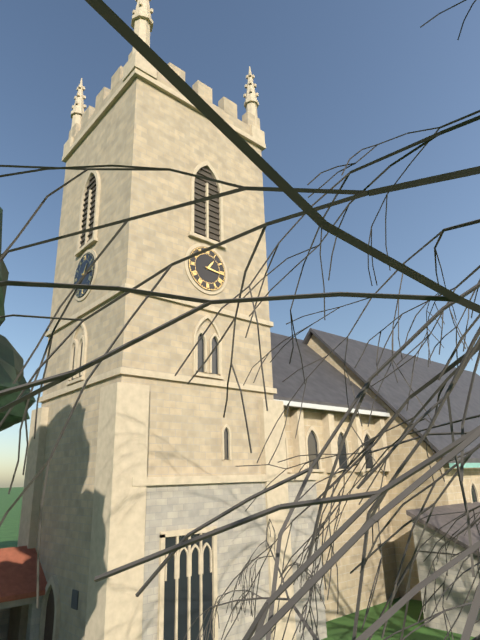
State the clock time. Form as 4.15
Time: 1.16
